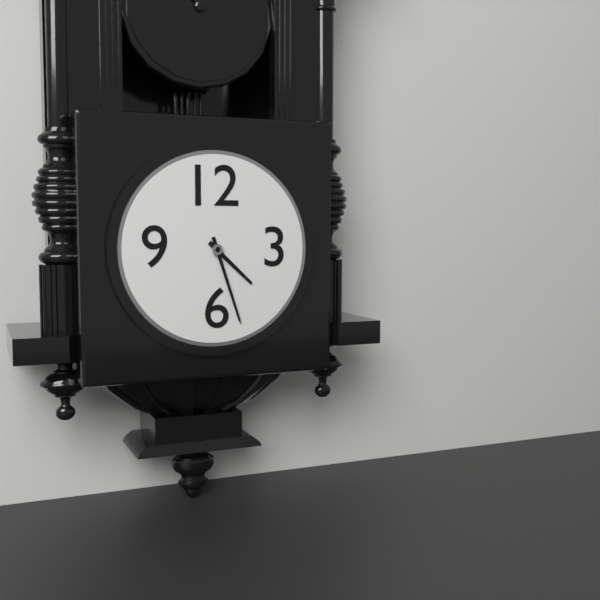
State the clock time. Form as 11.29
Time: 4.27
